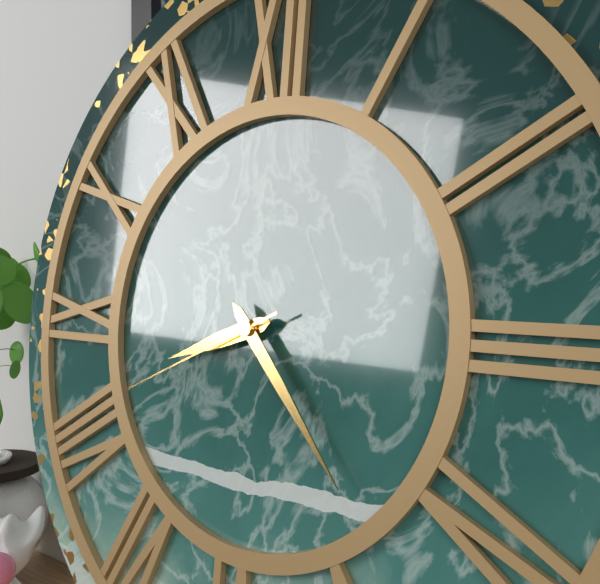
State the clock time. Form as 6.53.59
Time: 8.23.41
